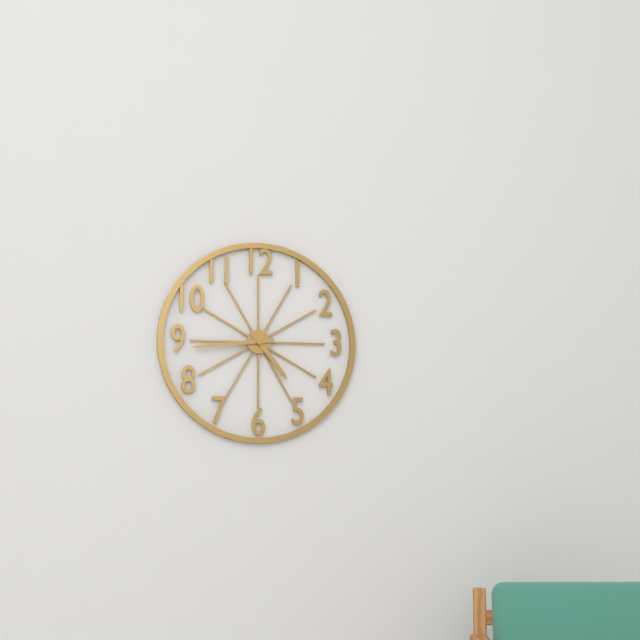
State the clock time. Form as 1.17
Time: 4.44
